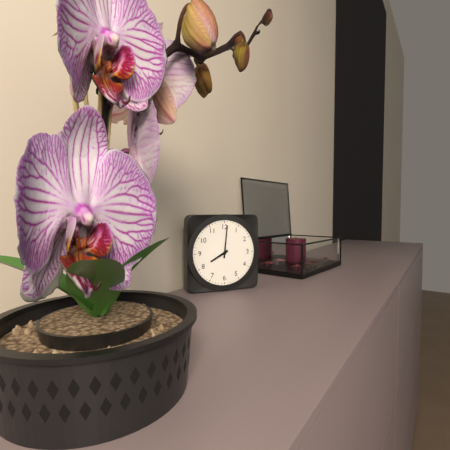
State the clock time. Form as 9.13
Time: 8.01
